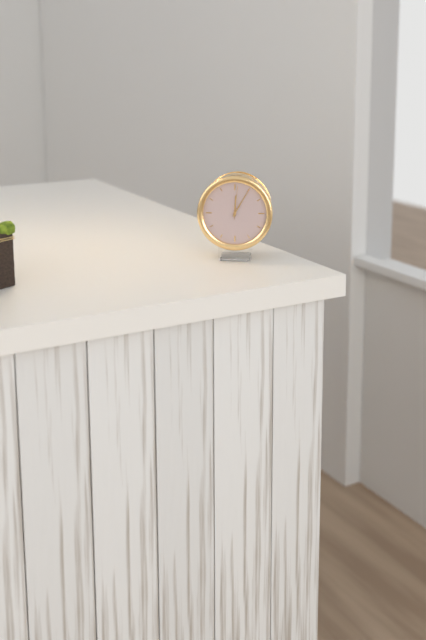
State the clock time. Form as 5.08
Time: 12.05
